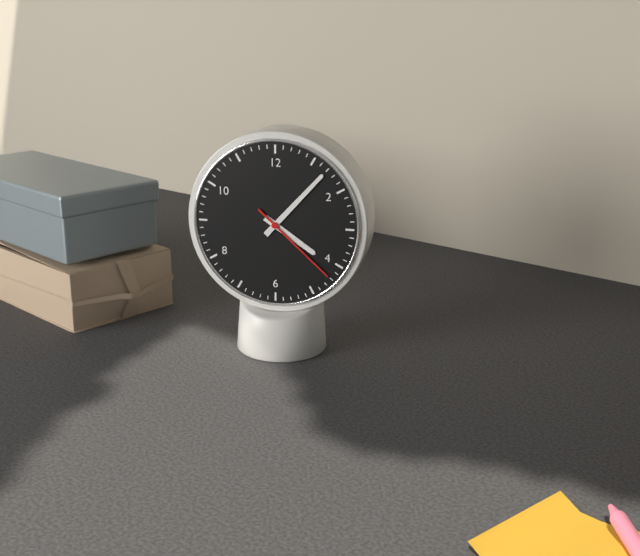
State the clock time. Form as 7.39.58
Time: 4.07.22
